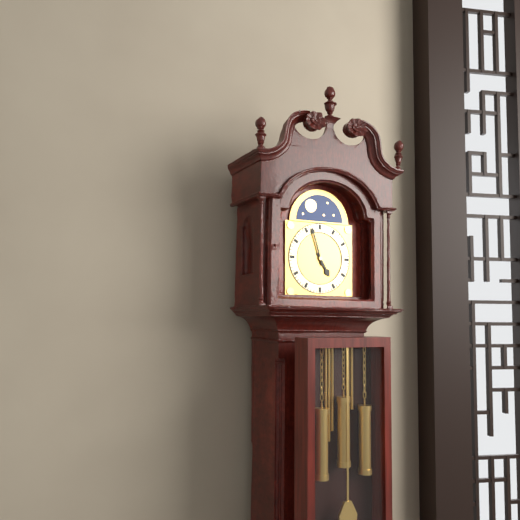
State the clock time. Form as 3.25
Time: 4.57
